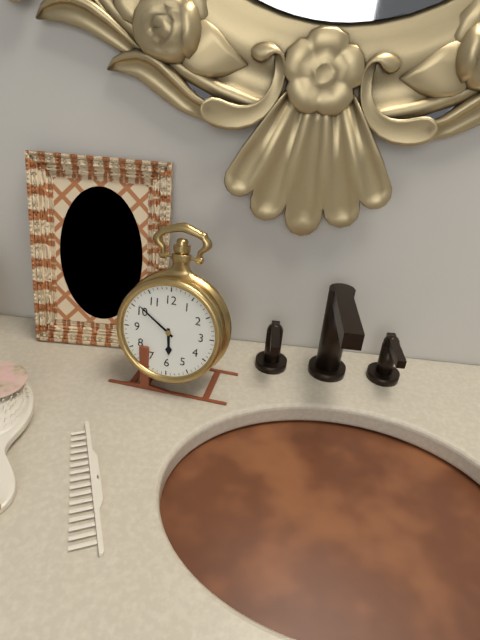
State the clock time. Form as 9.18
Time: 5.51
